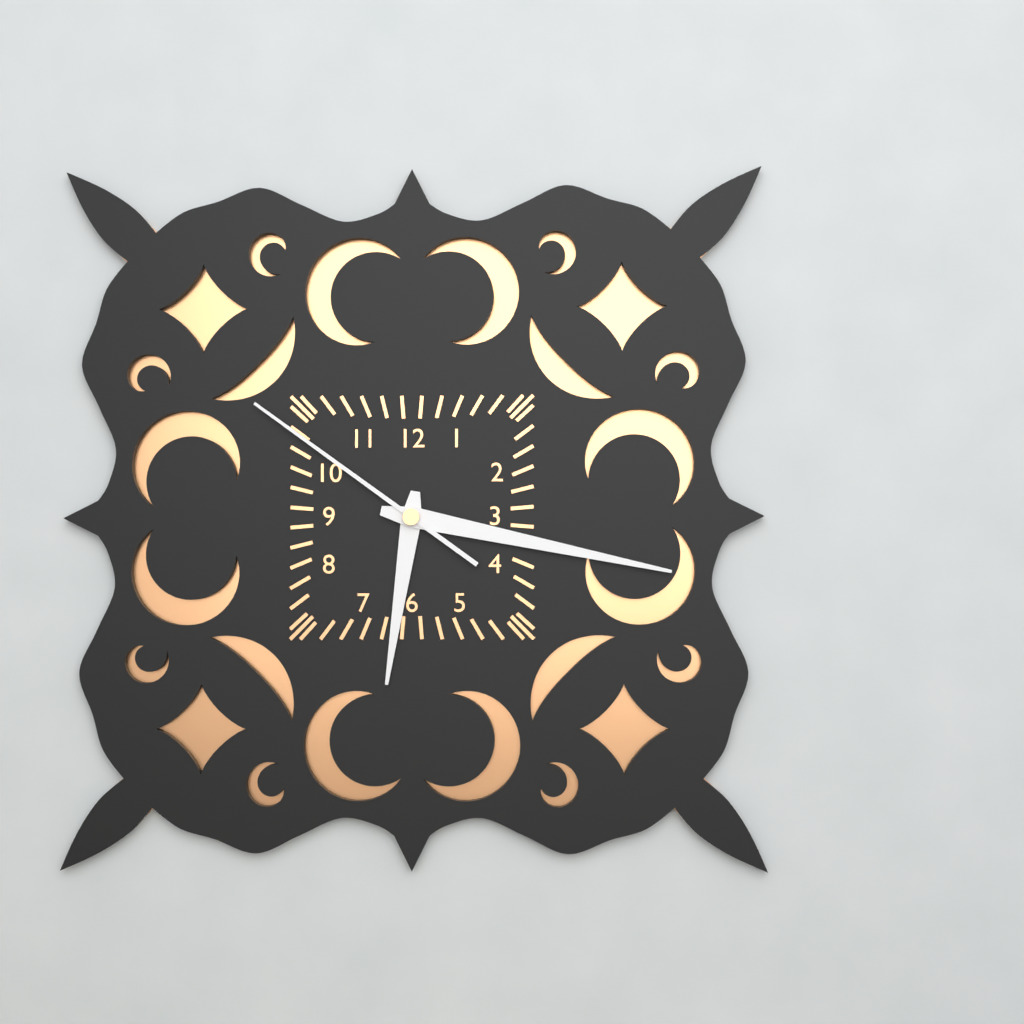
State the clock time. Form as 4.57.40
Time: 6.17.51
